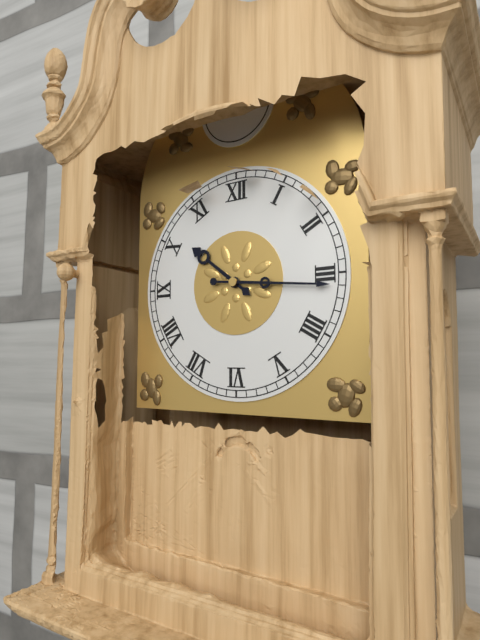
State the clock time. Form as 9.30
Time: 10.16
